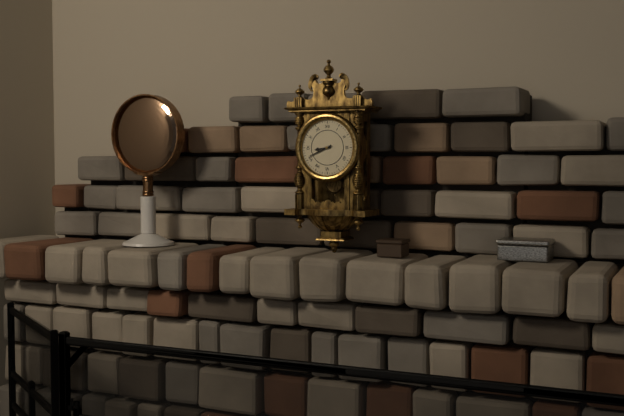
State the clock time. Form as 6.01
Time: 8.41
